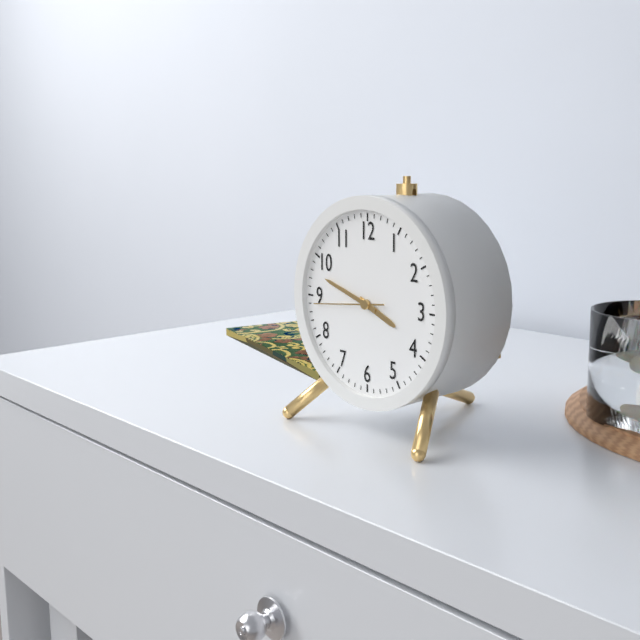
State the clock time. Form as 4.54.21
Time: 3.48.44
